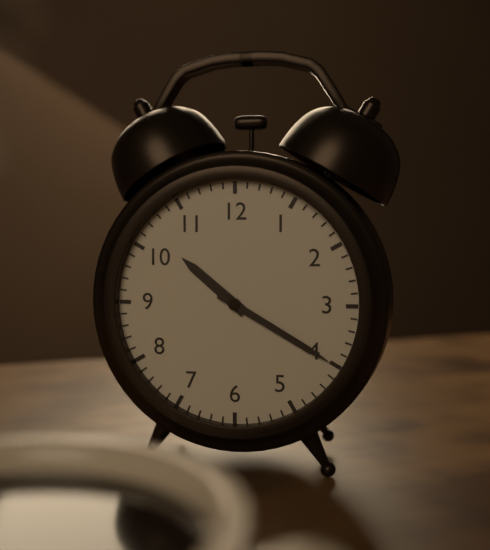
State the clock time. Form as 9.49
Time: 10.20
